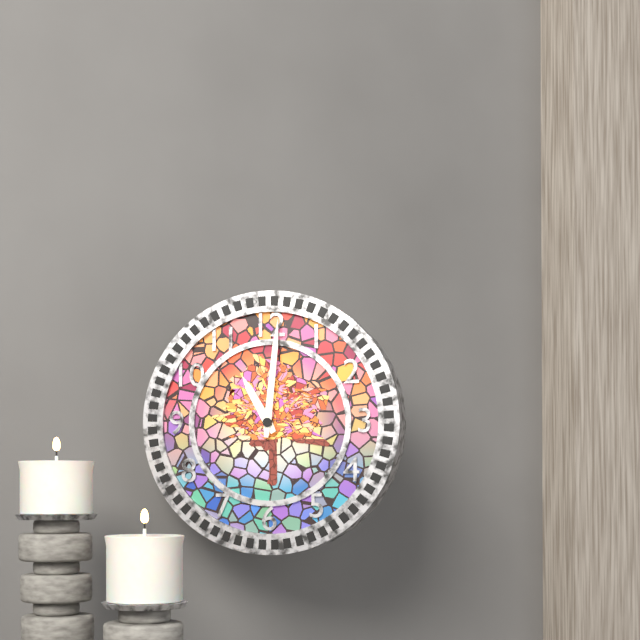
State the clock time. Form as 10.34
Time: 11.01
